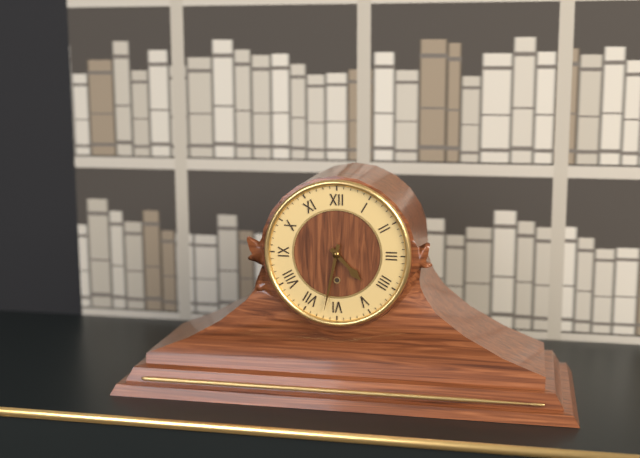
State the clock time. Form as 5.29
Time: 4.32
